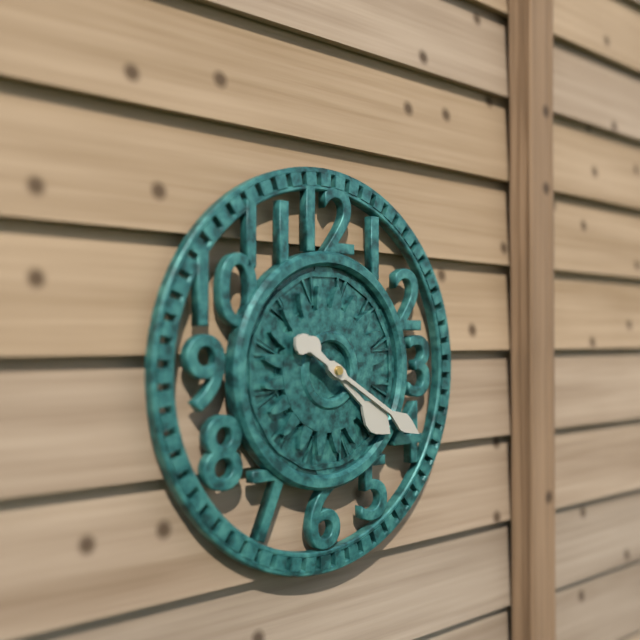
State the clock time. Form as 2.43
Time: 4.20
